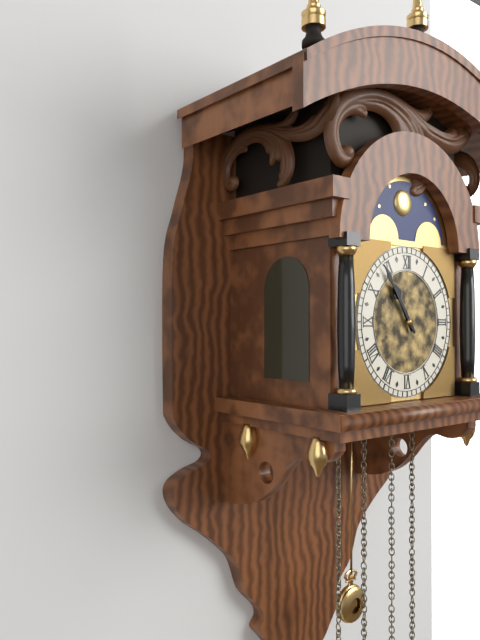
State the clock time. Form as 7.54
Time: 10.54
